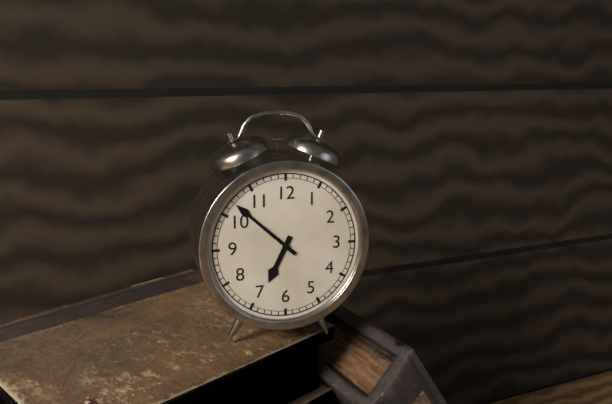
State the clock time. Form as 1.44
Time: 6.52
